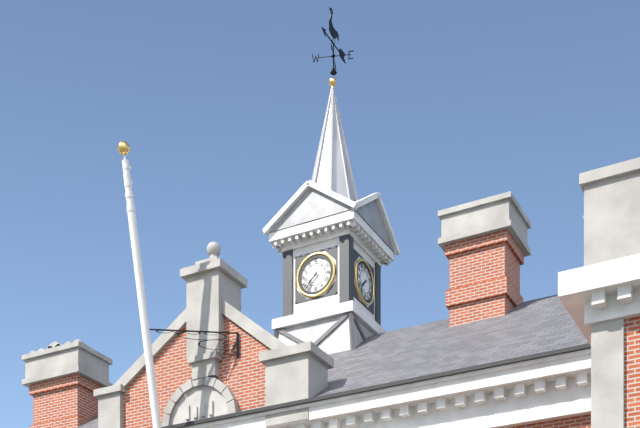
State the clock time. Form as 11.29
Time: 7.37
